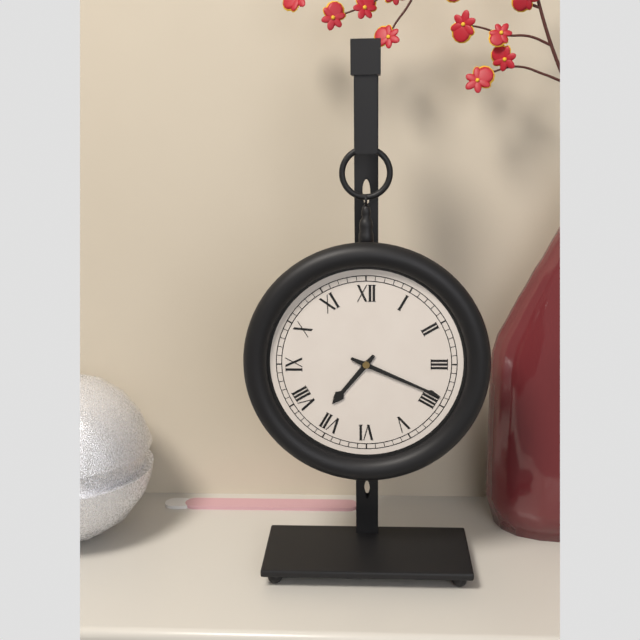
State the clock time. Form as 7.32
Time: 7.19
